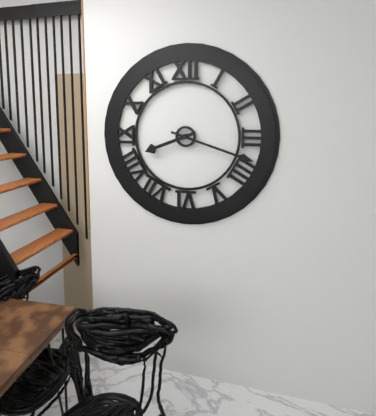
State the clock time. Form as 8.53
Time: 8.18
